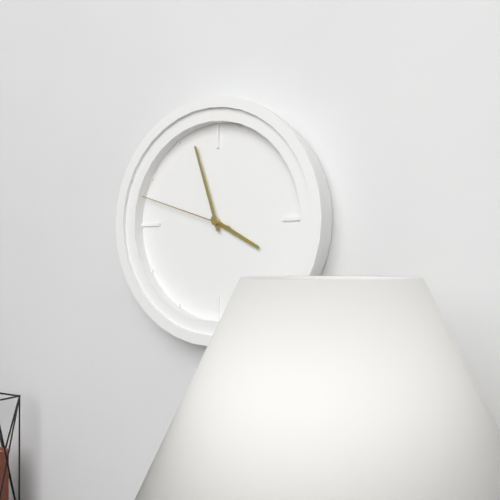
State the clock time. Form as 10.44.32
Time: 3.57.48
